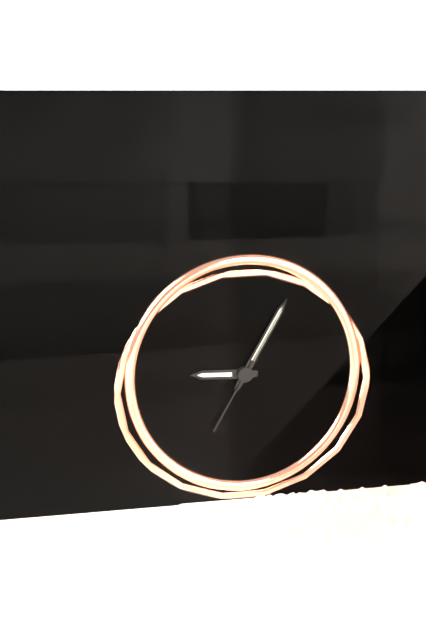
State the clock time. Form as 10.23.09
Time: 9.05.05
